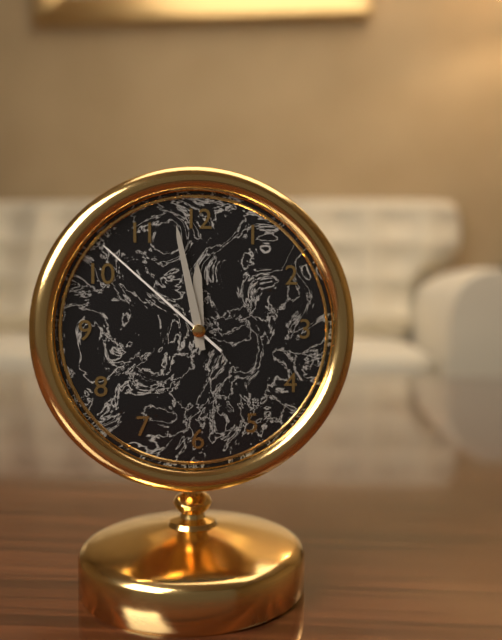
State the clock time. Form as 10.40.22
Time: 11.58.52
